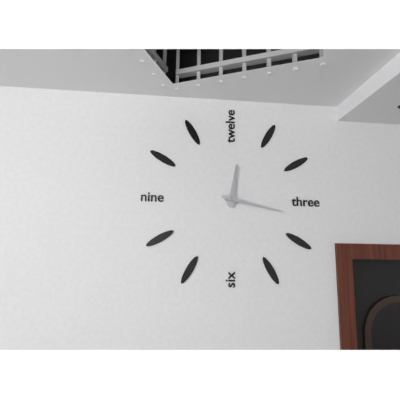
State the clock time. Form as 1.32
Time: 12.17
